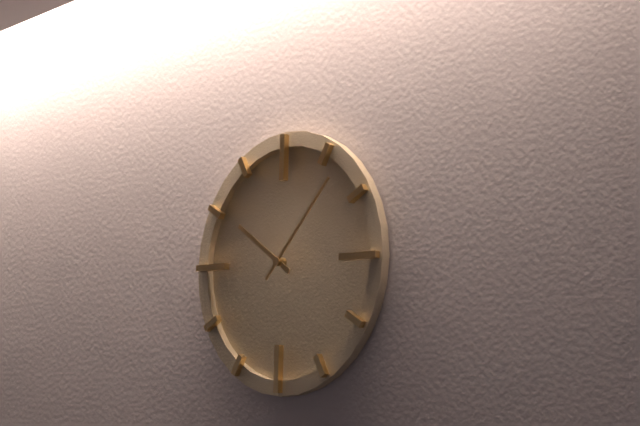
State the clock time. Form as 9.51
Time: 10.07
